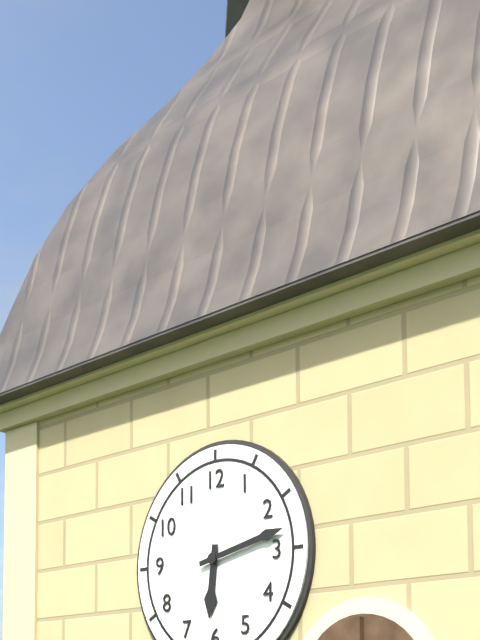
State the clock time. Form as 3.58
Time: 6.13
